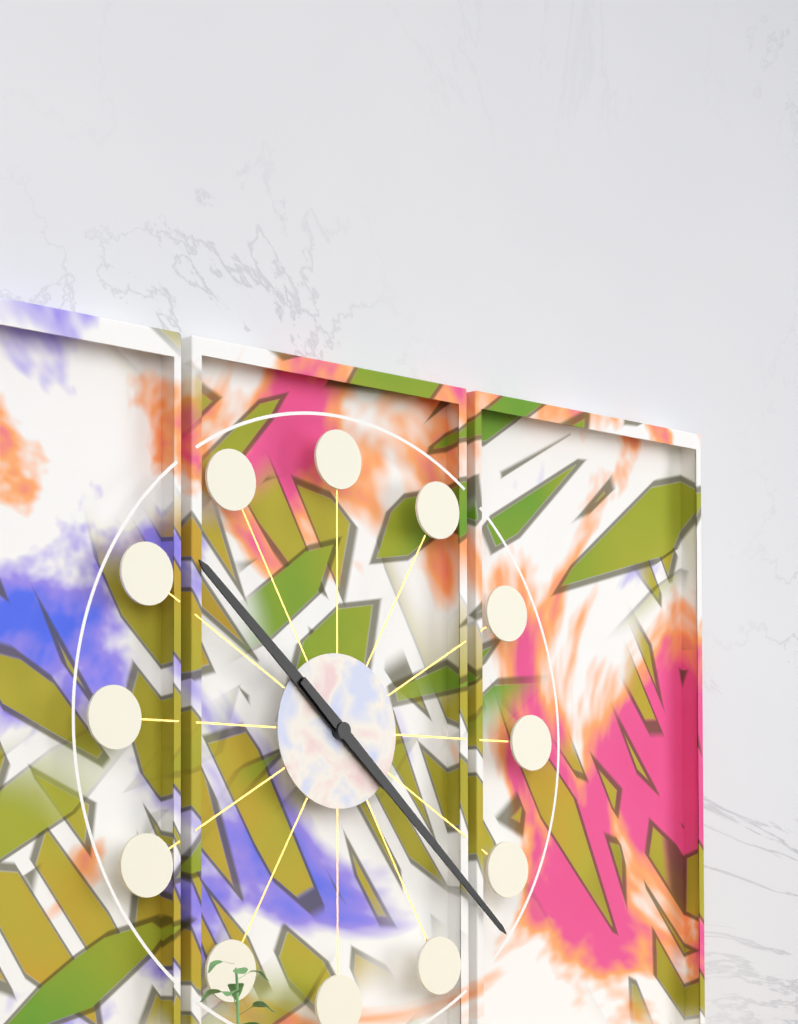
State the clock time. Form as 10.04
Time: 10.22
